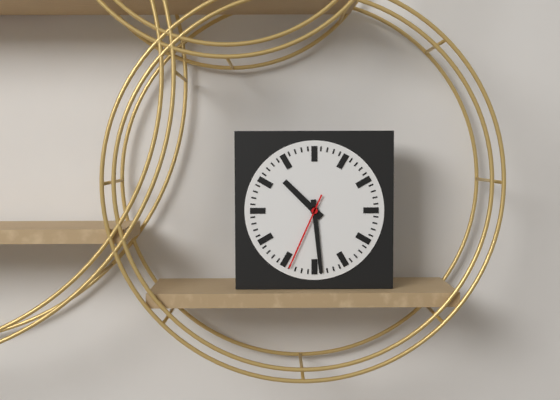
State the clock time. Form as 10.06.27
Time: 10.29.34
